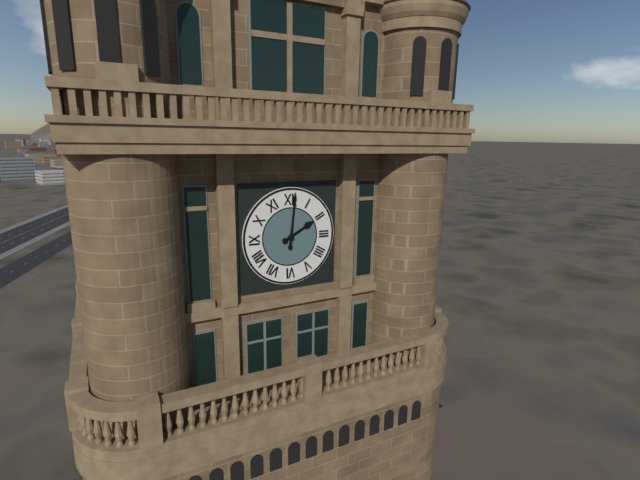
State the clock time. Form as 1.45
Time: 2.01
